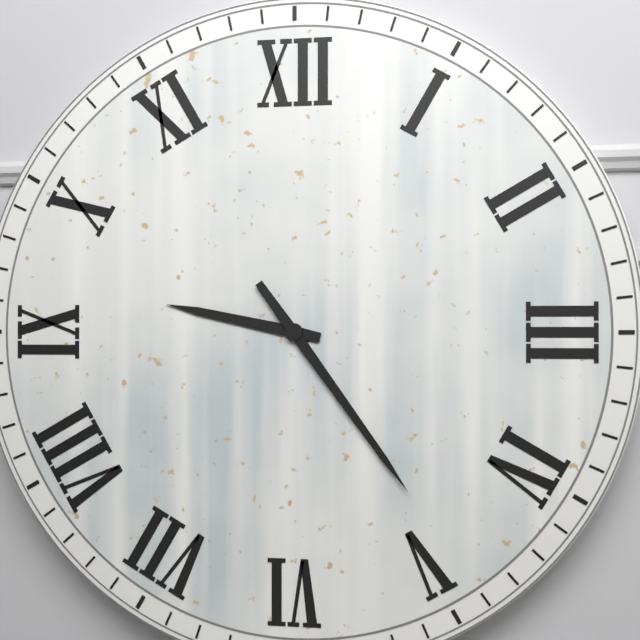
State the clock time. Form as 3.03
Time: 9.24
